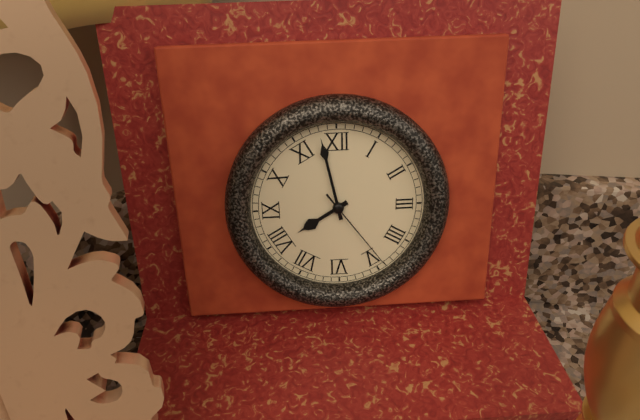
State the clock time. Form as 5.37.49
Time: 7.58.24
